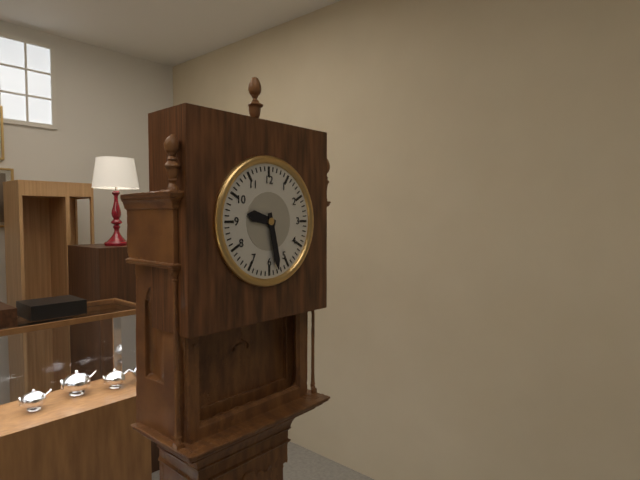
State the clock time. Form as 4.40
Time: 9.28
